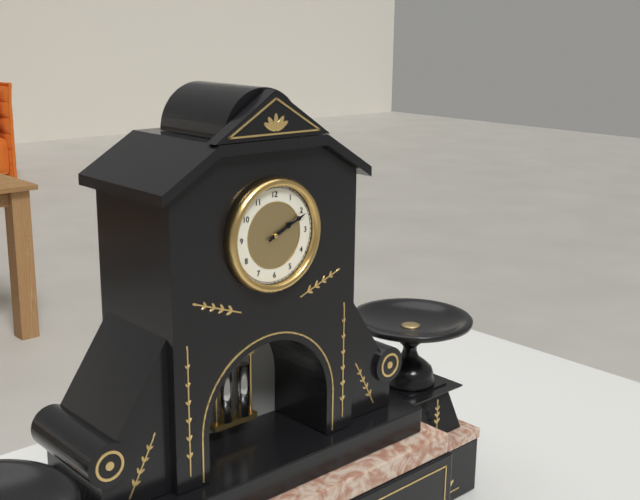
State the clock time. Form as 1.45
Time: 2.11
